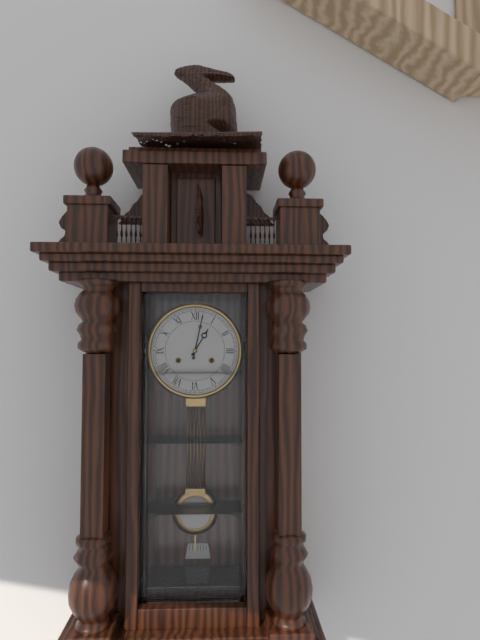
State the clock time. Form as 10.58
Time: 1.02
